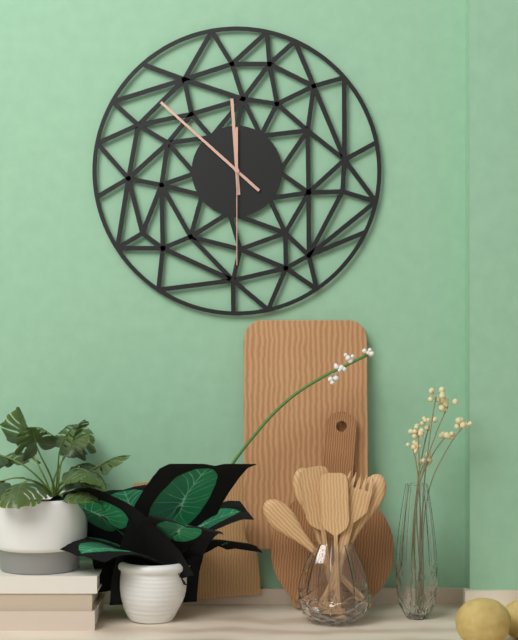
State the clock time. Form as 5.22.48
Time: 11.52.30
